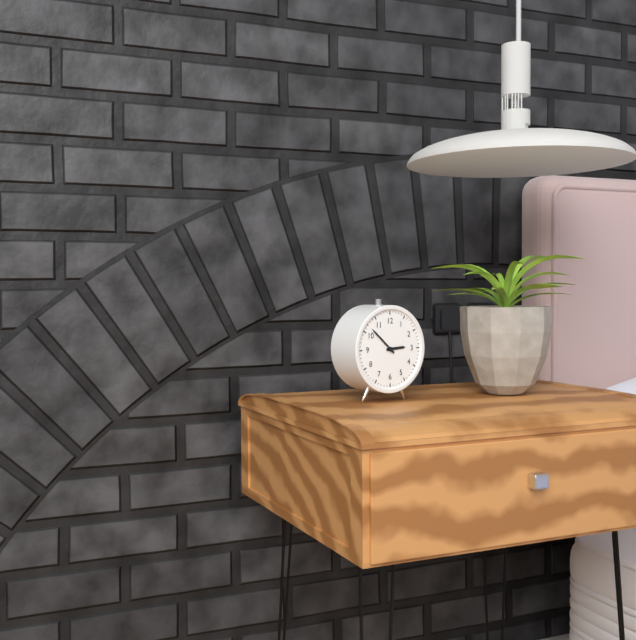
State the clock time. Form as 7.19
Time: 2.52
